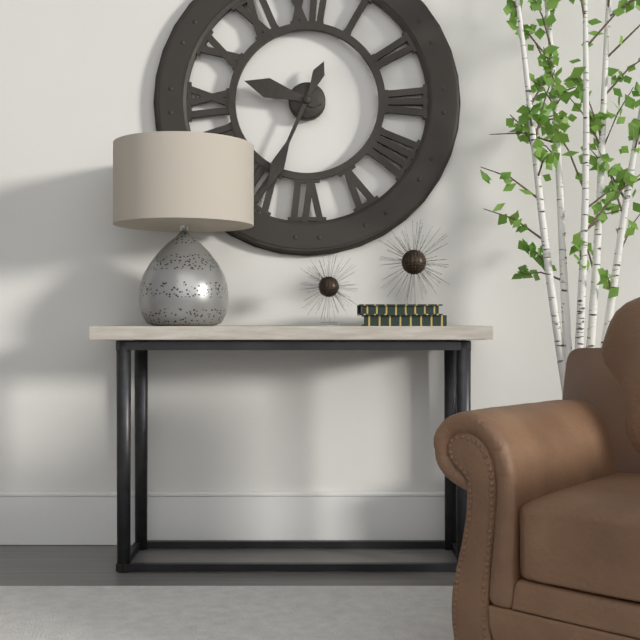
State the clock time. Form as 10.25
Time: 9.34
